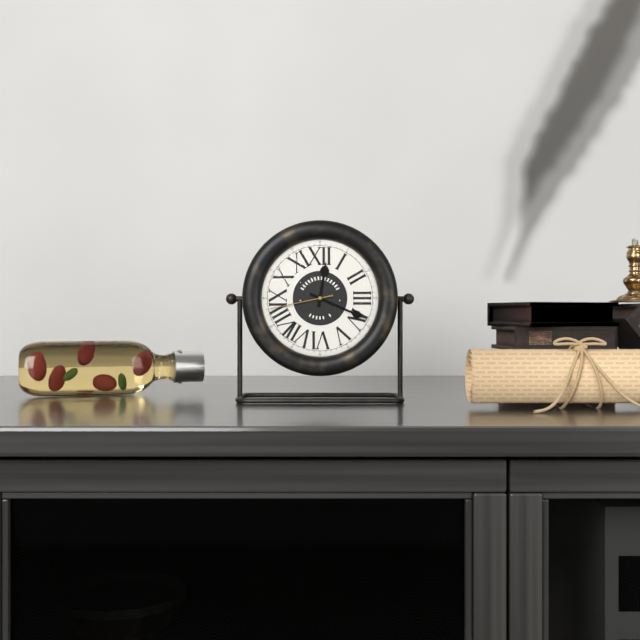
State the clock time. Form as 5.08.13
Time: 12.19.43
